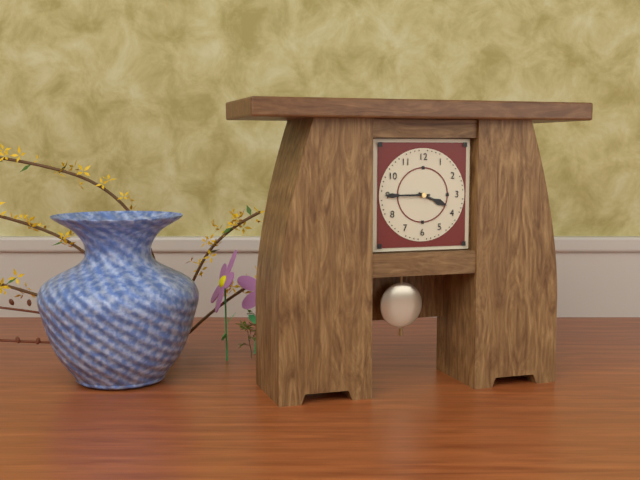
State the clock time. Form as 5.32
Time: 3.45
